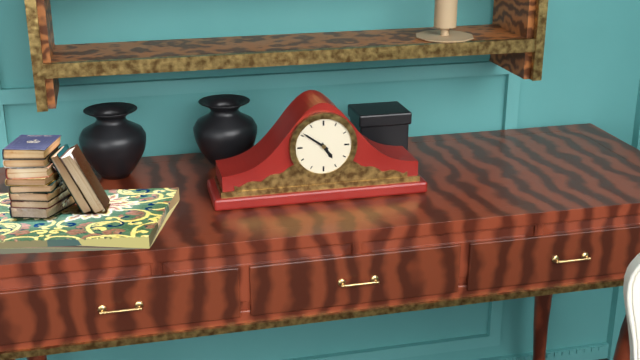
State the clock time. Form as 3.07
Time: 4.51
